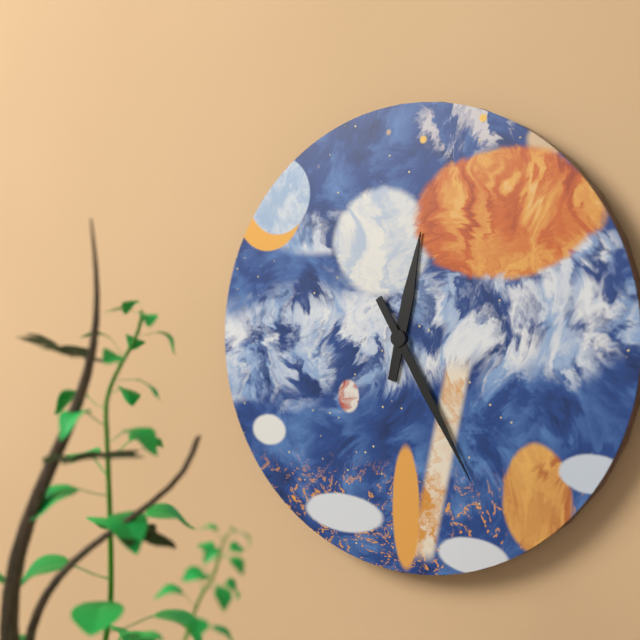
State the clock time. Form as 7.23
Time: 12.25
